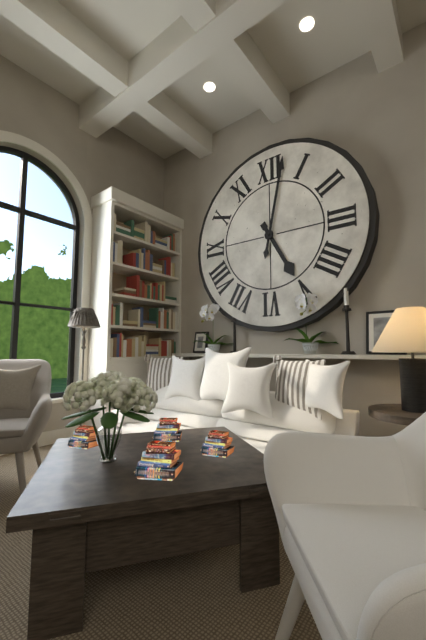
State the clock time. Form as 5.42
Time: 5.02
